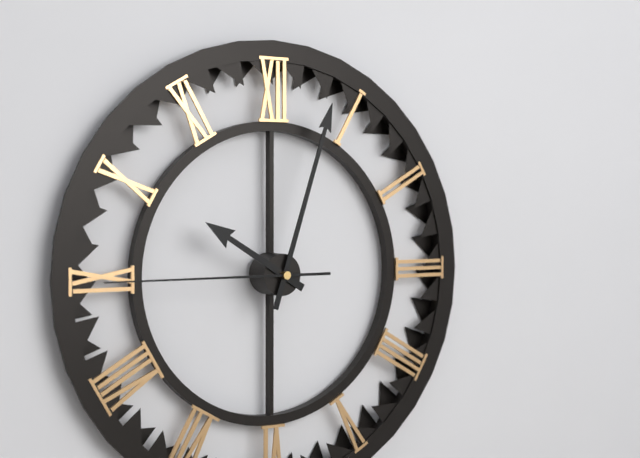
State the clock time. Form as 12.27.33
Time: 10.03.45
